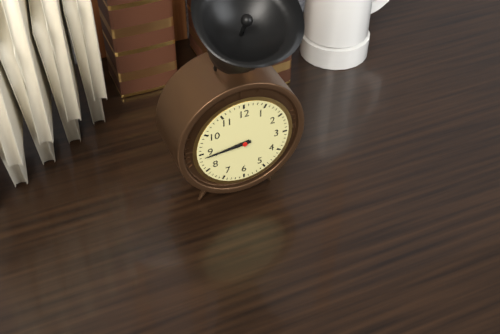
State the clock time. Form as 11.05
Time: 8.44
